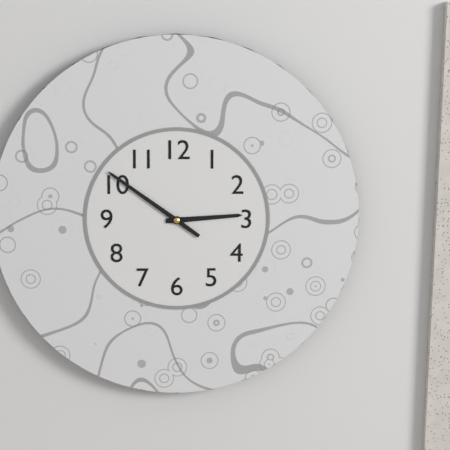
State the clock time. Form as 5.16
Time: 2.51
